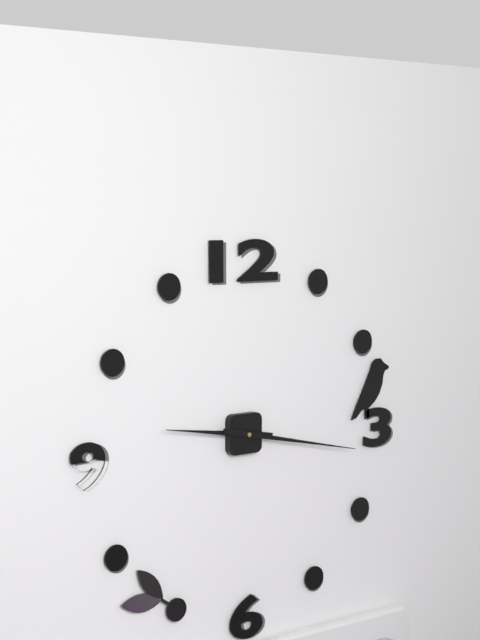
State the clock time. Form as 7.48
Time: 9.17
